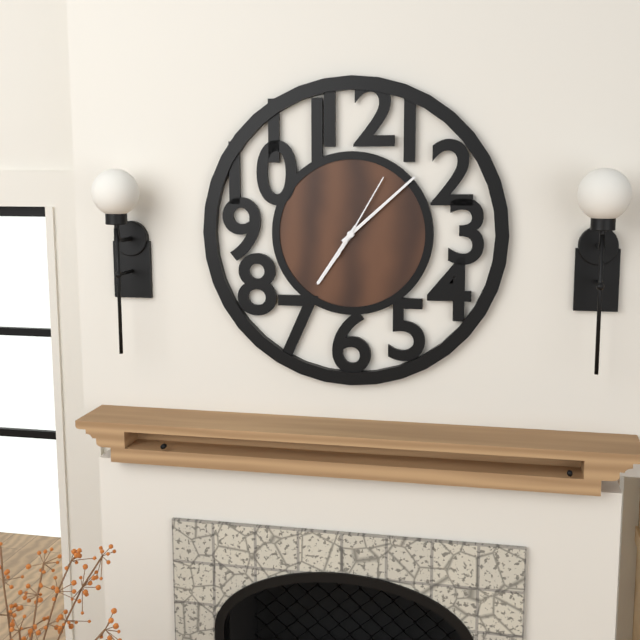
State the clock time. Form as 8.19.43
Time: 7.08.05
